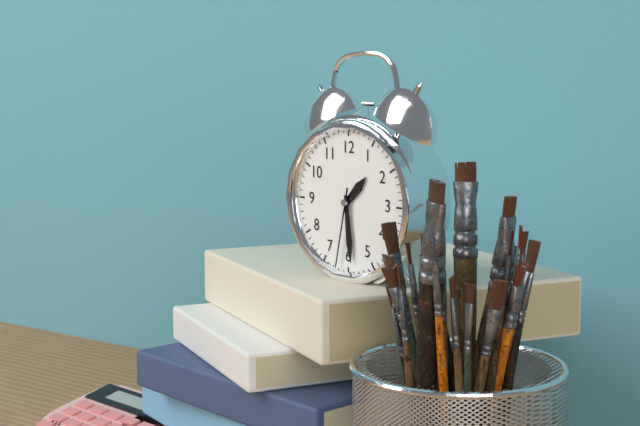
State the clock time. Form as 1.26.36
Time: 1.29.32
